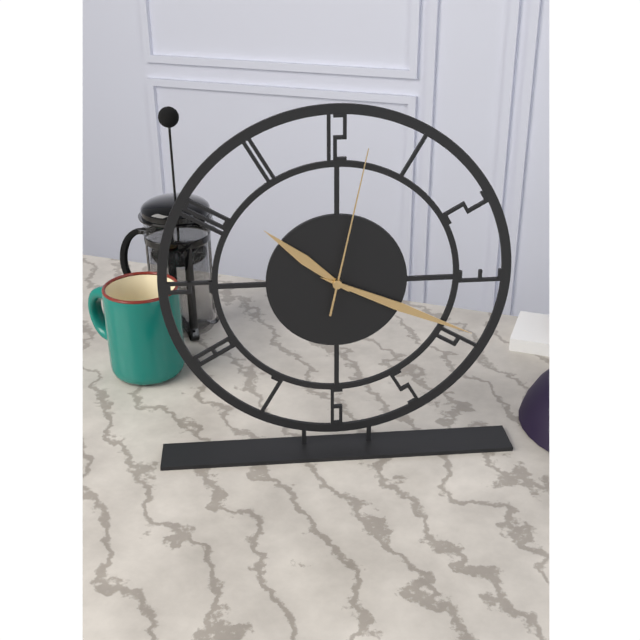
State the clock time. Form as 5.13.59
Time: 10.19.02
